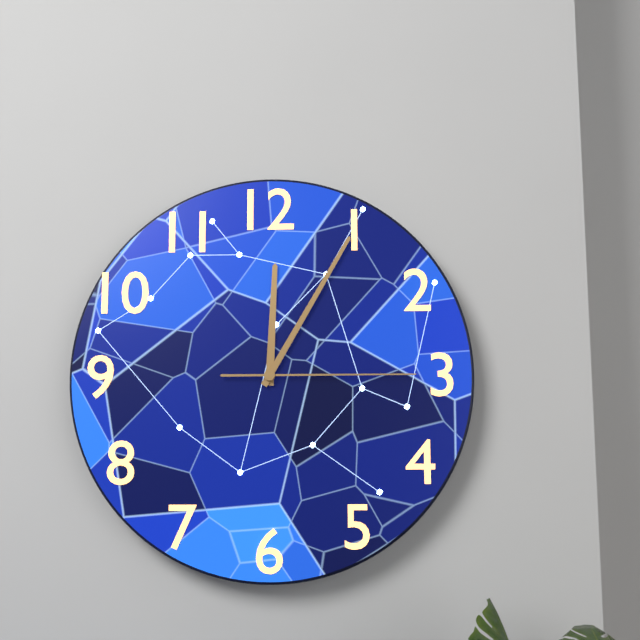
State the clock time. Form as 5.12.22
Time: 12.05.15
